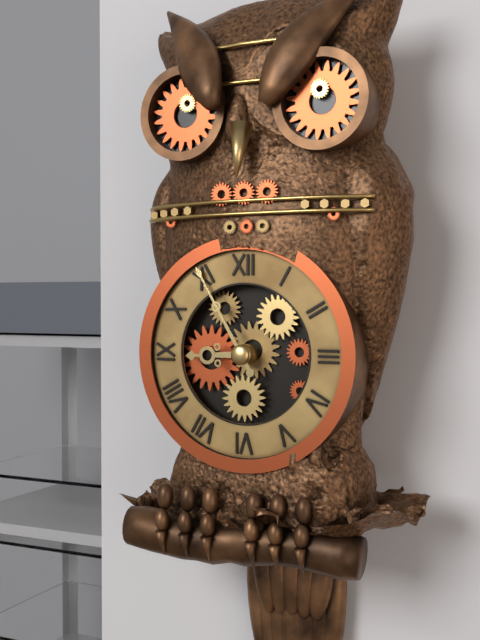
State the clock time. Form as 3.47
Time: 8.55
